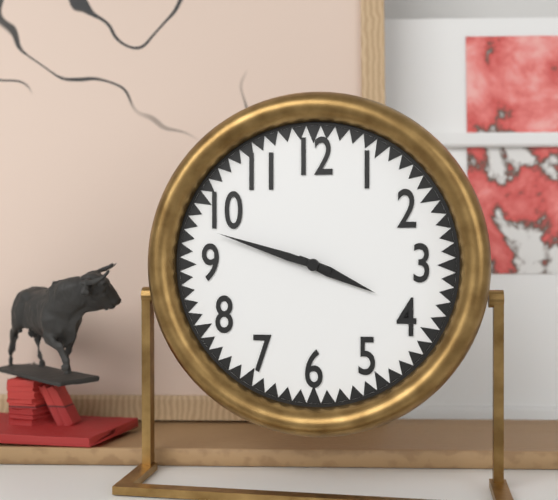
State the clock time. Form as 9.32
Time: 3.48
